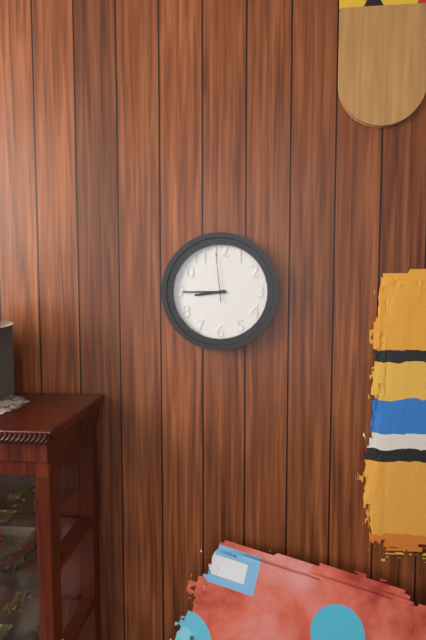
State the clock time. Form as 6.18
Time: 8.45
